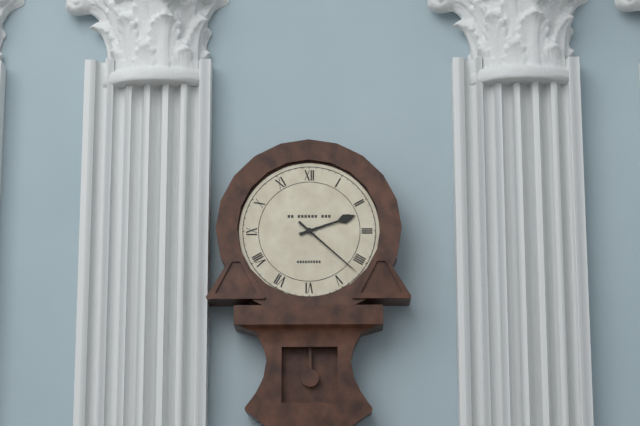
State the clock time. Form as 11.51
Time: 2.22
